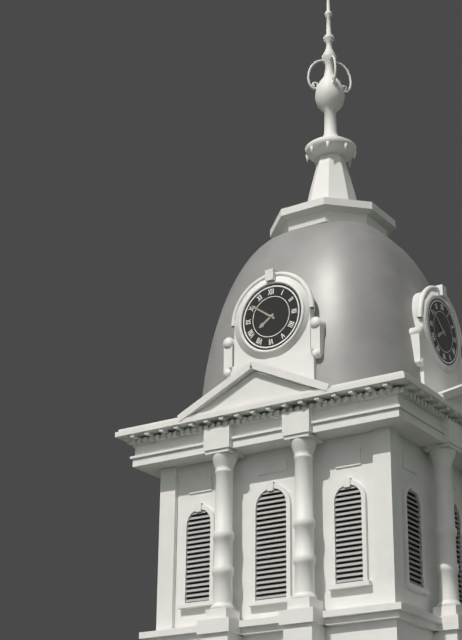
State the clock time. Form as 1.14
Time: 7.51
